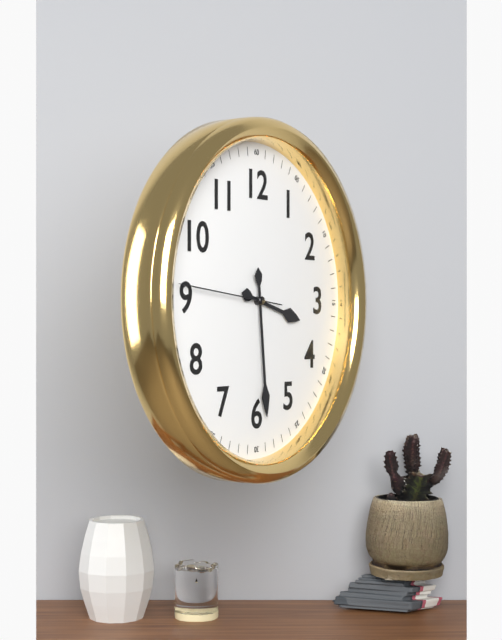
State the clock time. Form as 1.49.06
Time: 3.29.46
